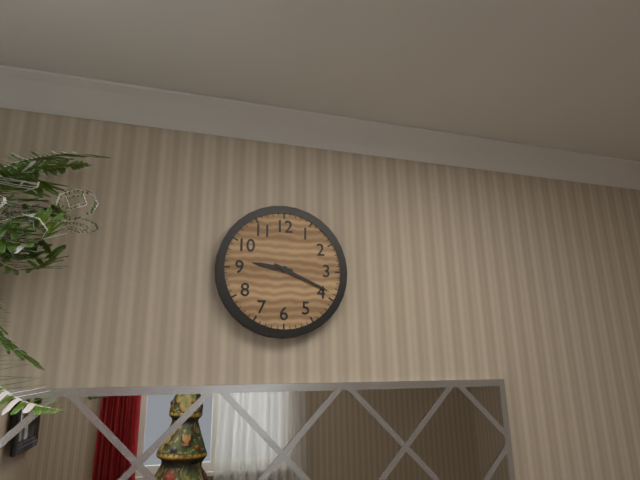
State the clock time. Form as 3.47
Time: 9.19
